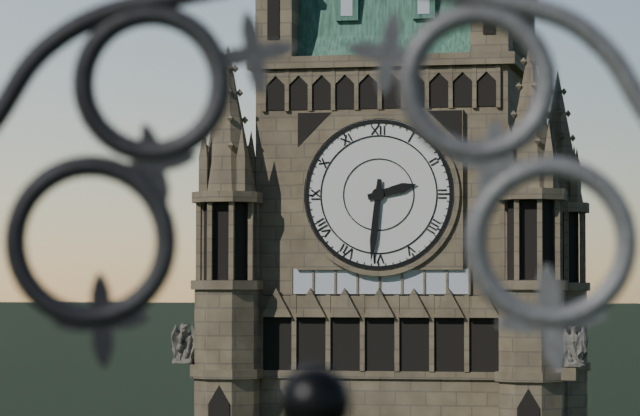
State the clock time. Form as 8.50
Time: 2.31
